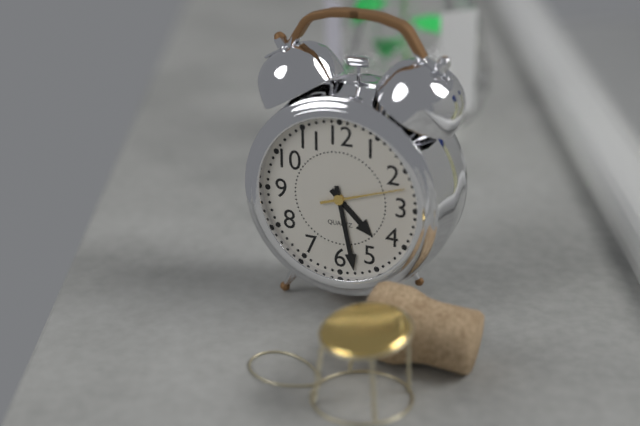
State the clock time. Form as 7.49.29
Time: 4.28.12
